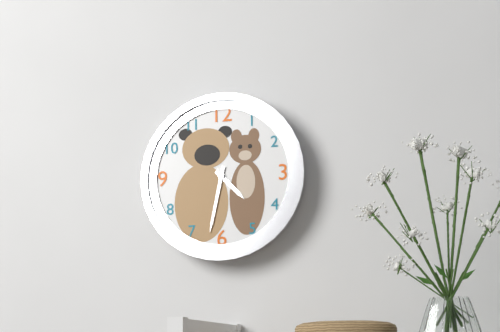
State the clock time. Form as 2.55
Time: 4.32
